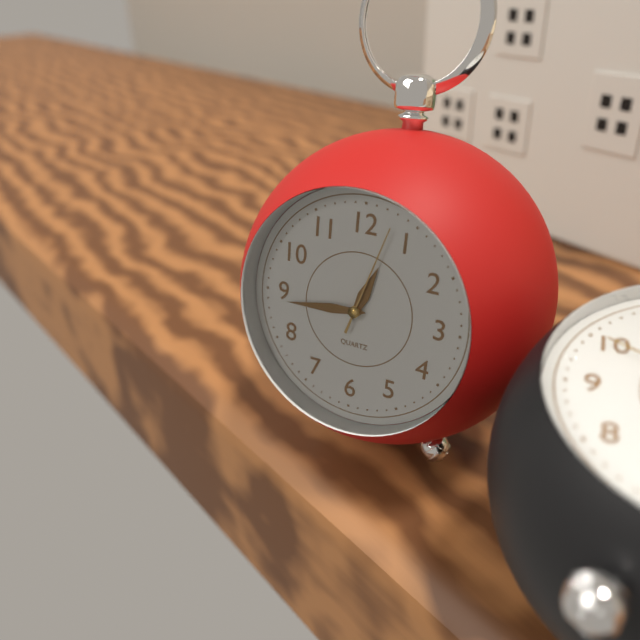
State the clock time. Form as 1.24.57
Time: 12.44.03
